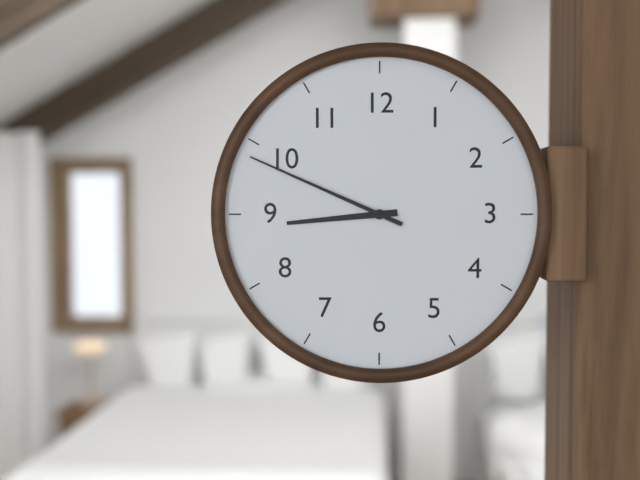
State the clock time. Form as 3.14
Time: 8.49
